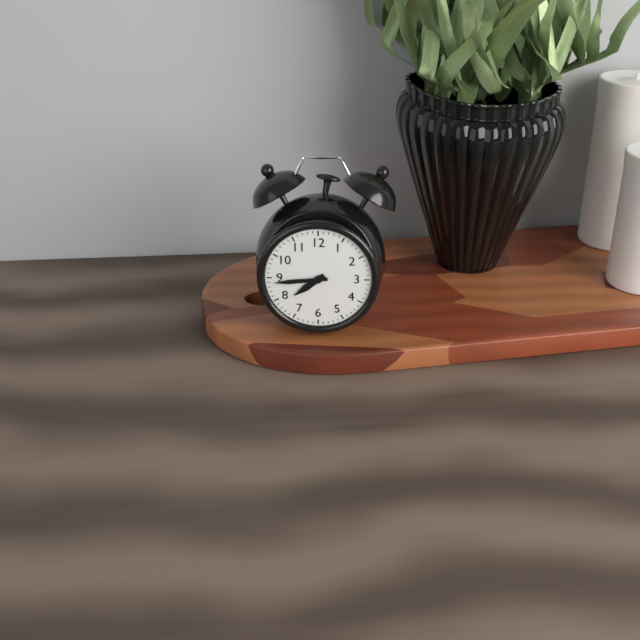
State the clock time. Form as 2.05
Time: 7.44
